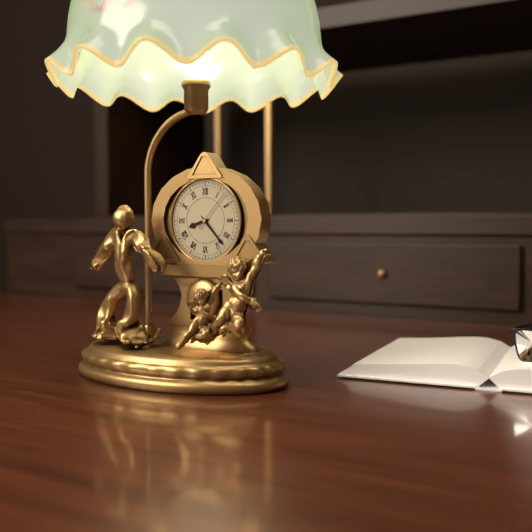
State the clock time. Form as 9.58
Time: 8.23
